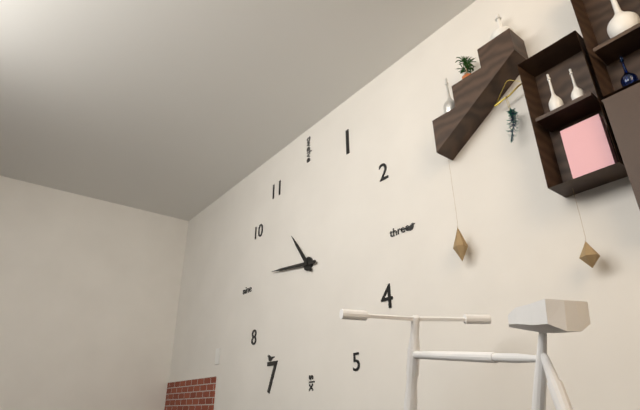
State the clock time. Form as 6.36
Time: 10.46
